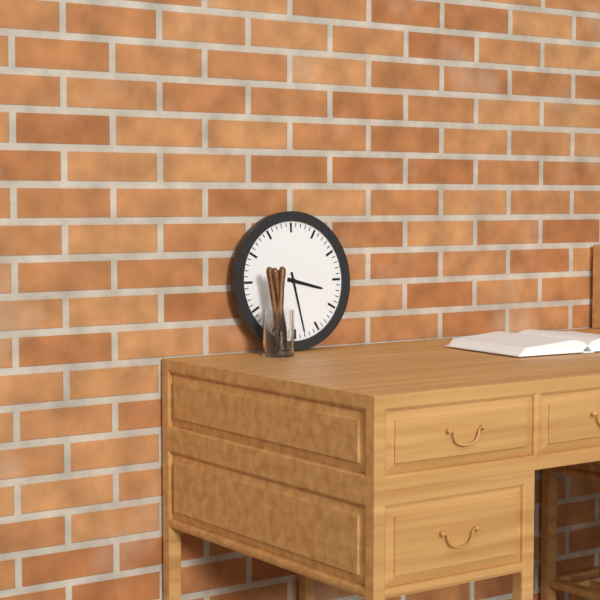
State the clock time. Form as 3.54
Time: 3.28
